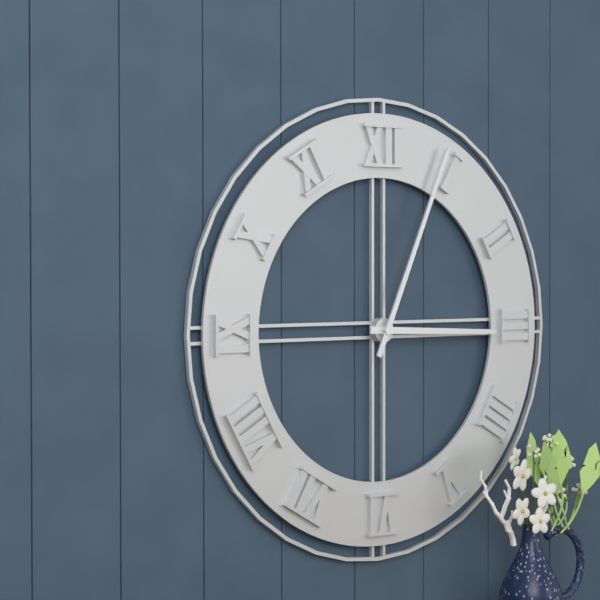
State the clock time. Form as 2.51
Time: 3.04
